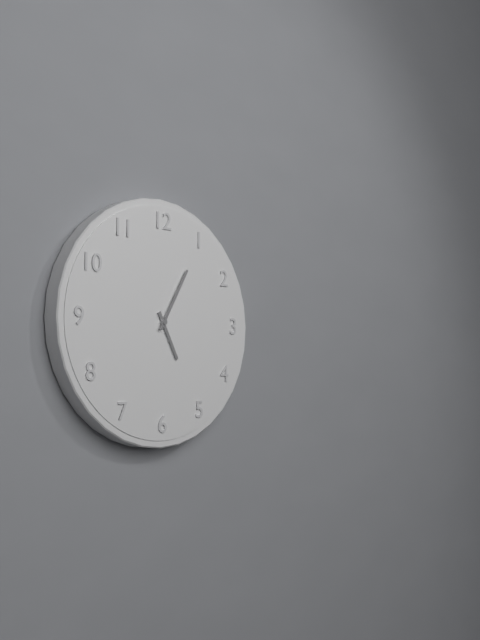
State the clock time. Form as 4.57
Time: 5.05
